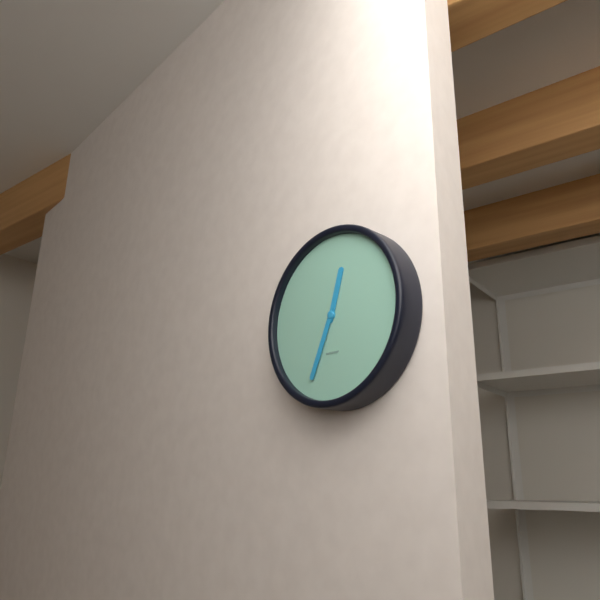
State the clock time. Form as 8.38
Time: 12.34
